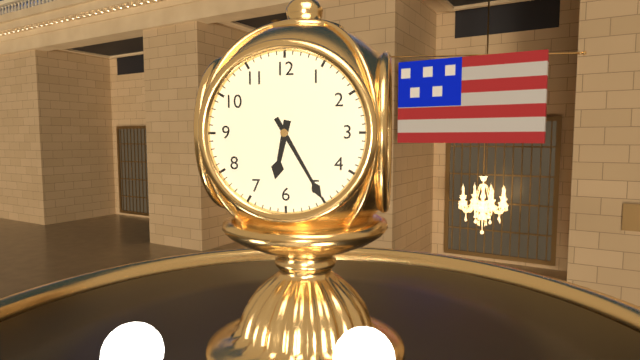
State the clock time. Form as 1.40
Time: 6.25
